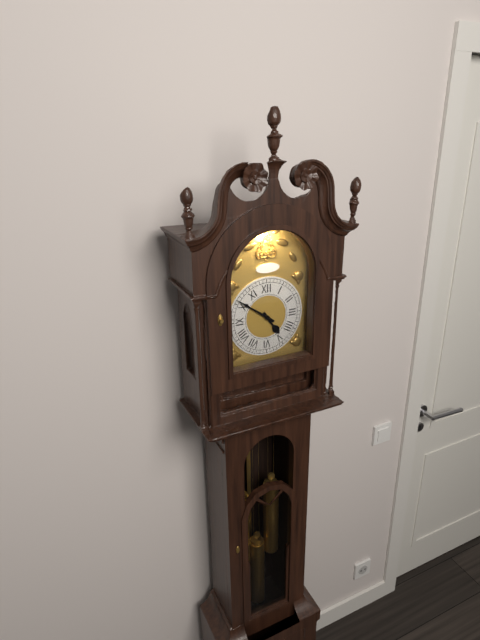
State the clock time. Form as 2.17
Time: 4.51
